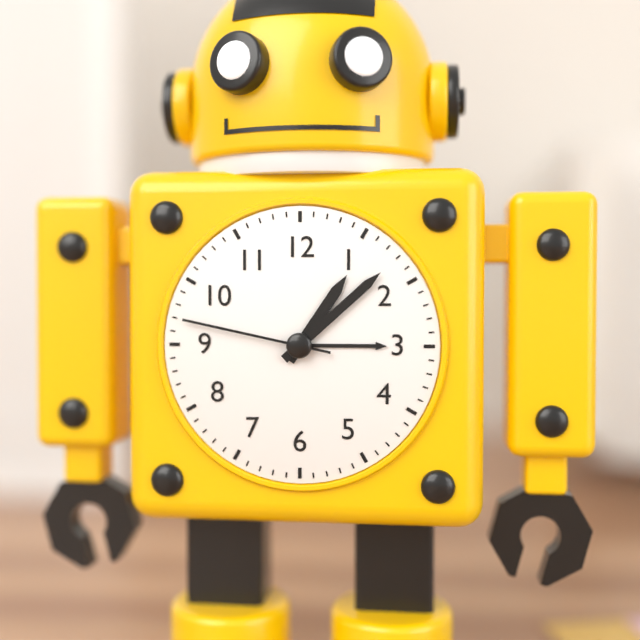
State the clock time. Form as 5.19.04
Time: 1.08.47
